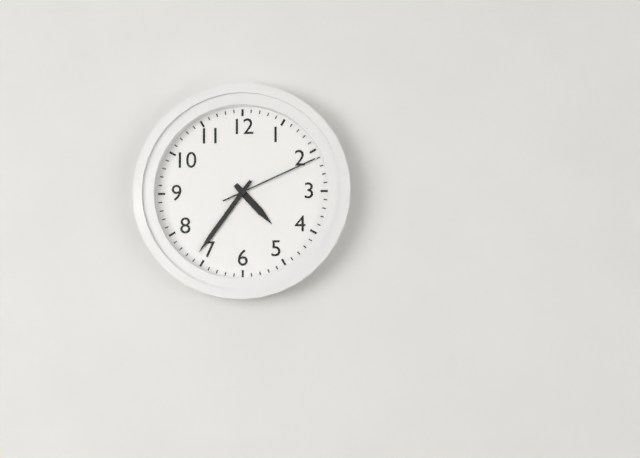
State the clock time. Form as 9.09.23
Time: 4.36.11
